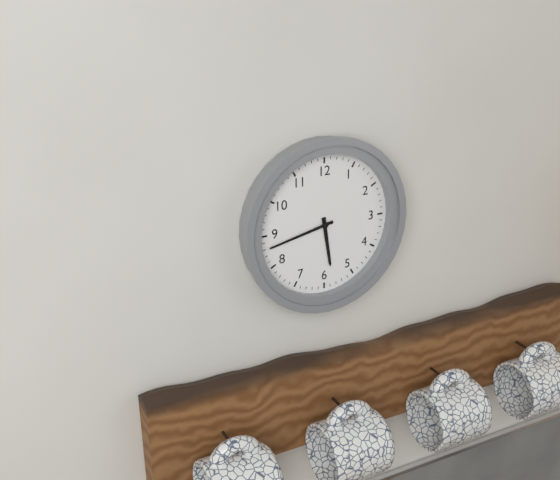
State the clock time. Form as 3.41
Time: 5.43
